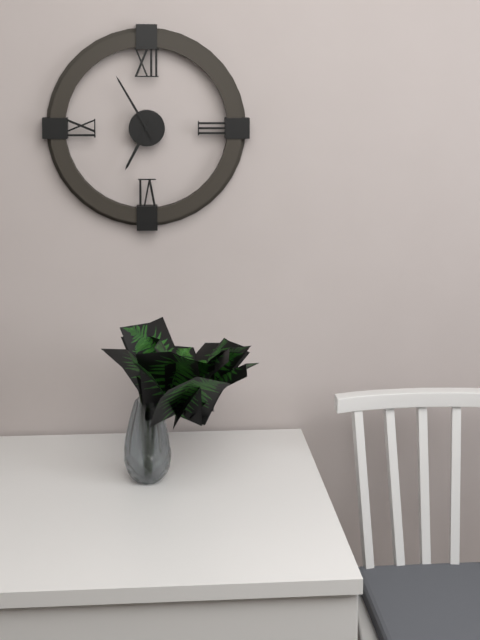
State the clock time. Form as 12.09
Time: 6.55
